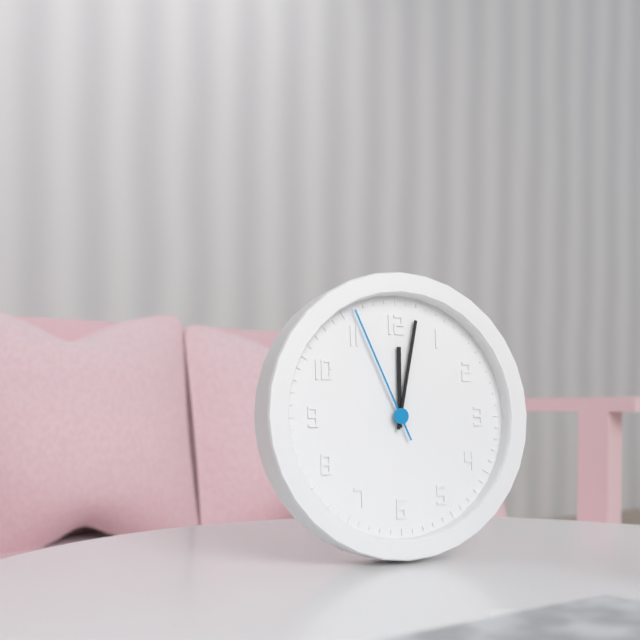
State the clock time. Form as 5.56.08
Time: 12.02.56
